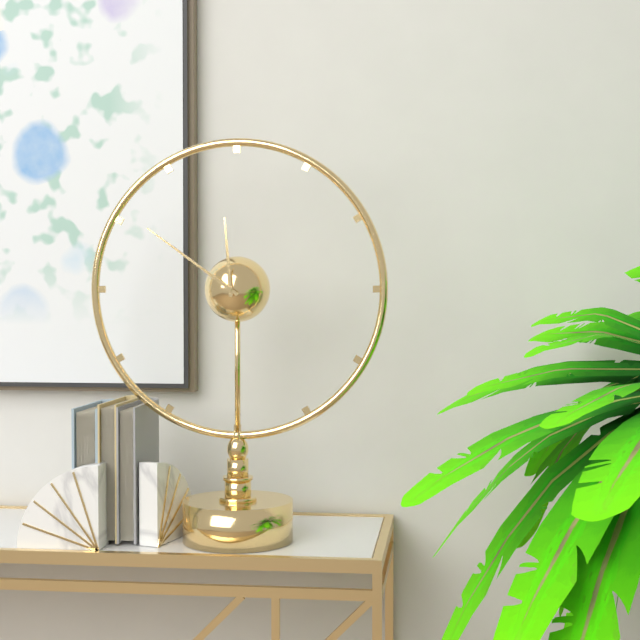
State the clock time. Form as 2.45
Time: 11.51
